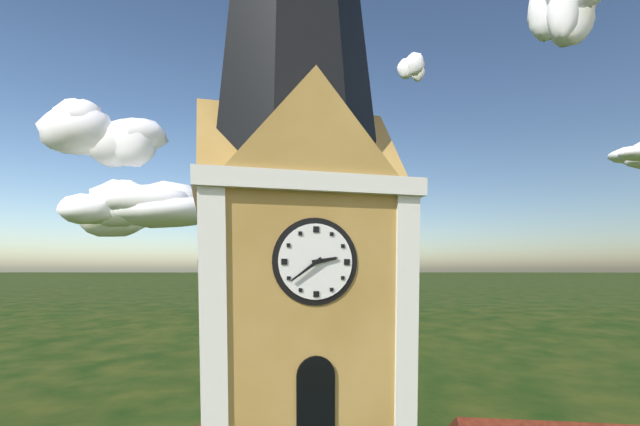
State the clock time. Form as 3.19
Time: 2.39
